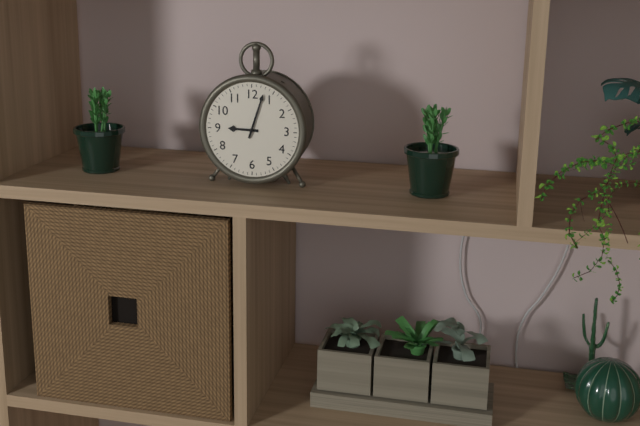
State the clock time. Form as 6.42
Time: 9.03
